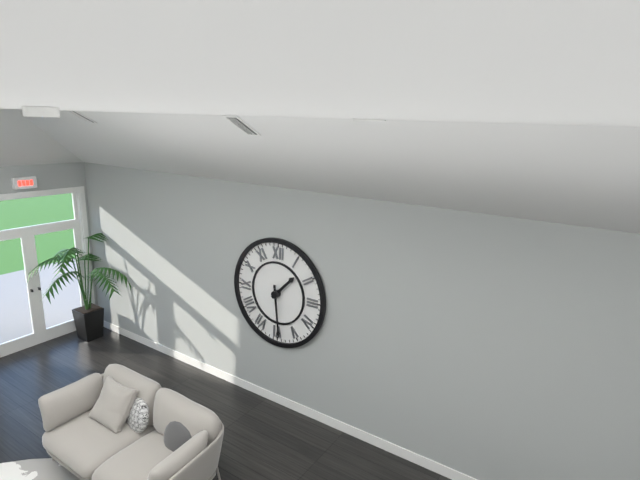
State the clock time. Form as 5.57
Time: 1.29
